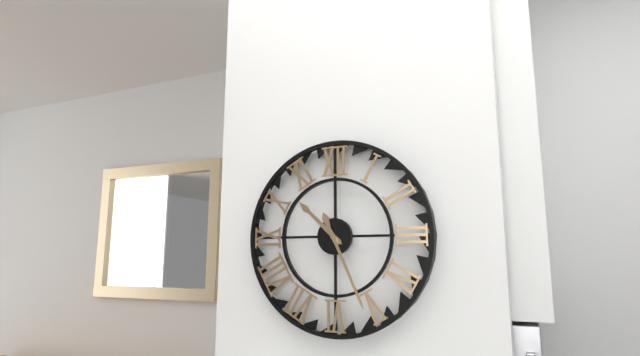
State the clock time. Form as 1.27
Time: 10.26
